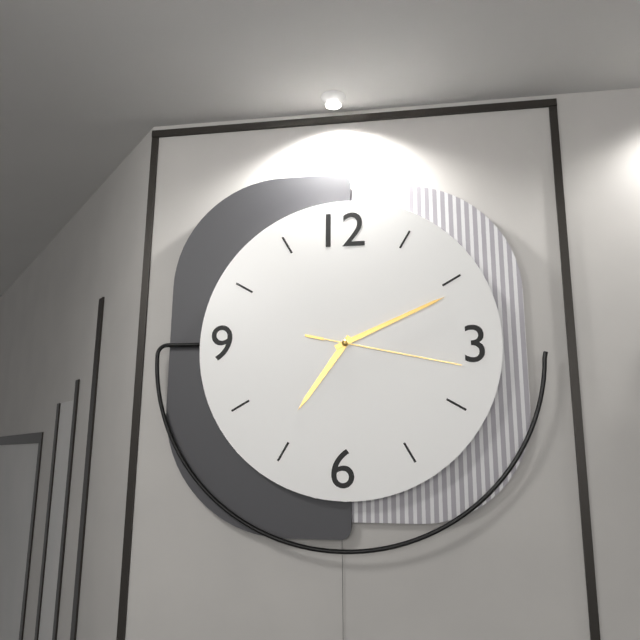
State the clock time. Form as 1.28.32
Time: 7.11.17
